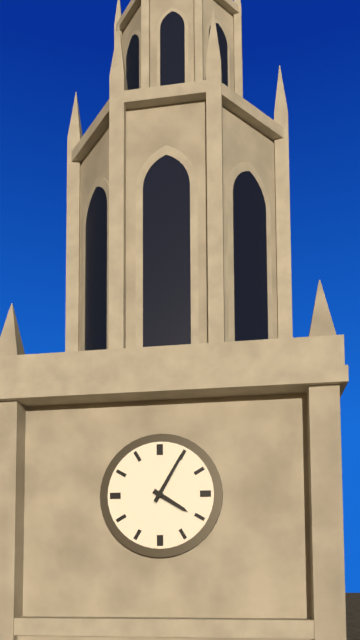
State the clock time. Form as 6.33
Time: 4.05
